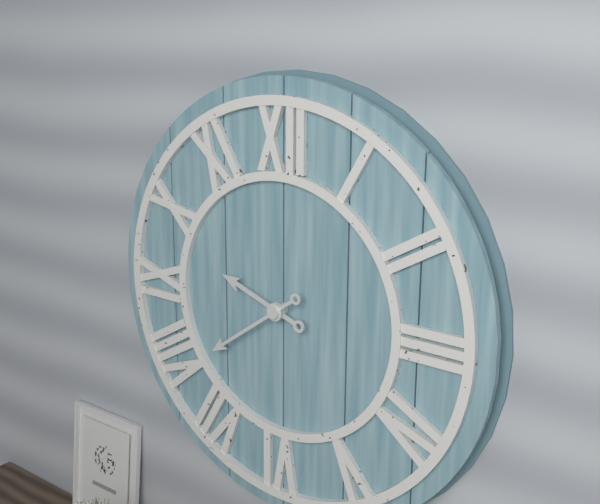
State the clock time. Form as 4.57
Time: 9.39
